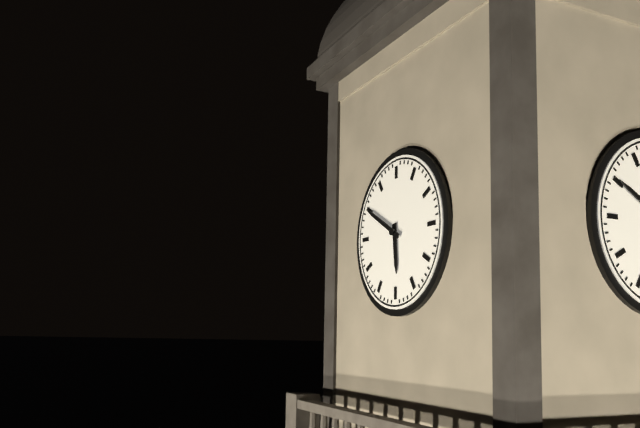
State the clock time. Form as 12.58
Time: 5.50
